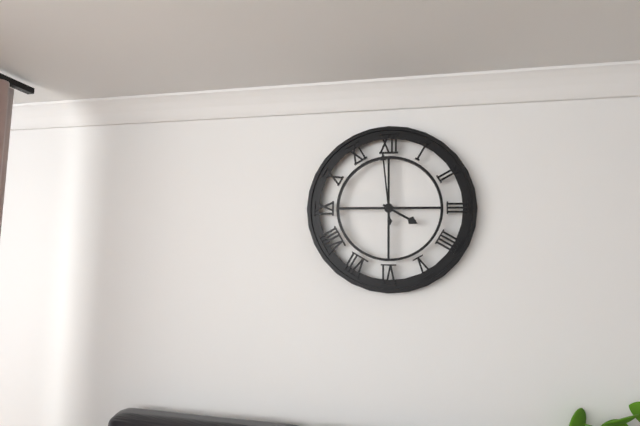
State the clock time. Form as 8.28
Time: 3.59
